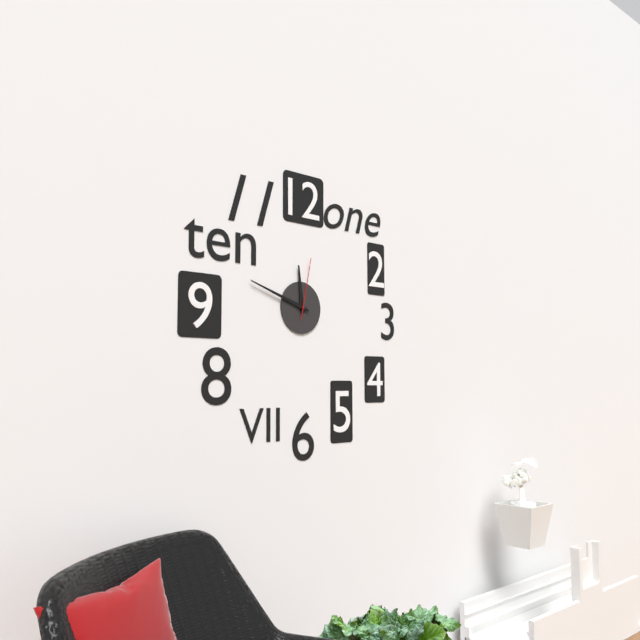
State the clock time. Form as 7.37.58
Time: 11.48.02
